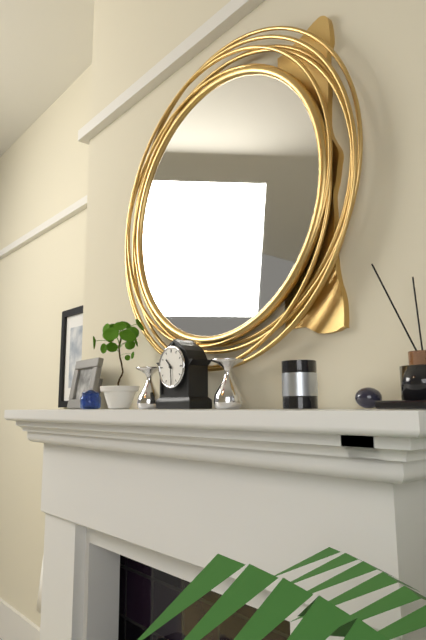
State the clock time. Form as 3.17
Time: 10.29
